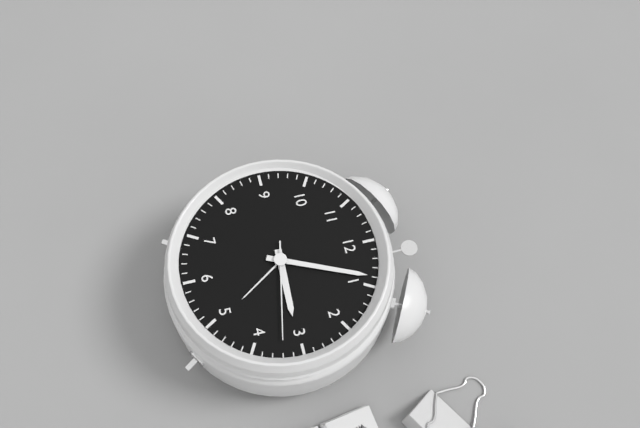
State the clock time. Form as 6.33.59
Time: 3.04.17
